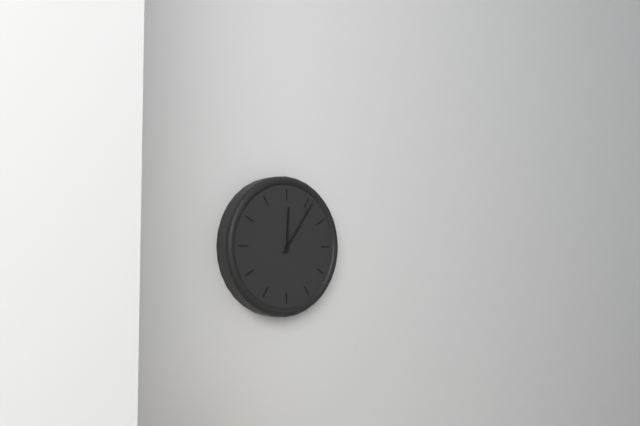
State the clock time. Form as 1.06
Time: 12.06
